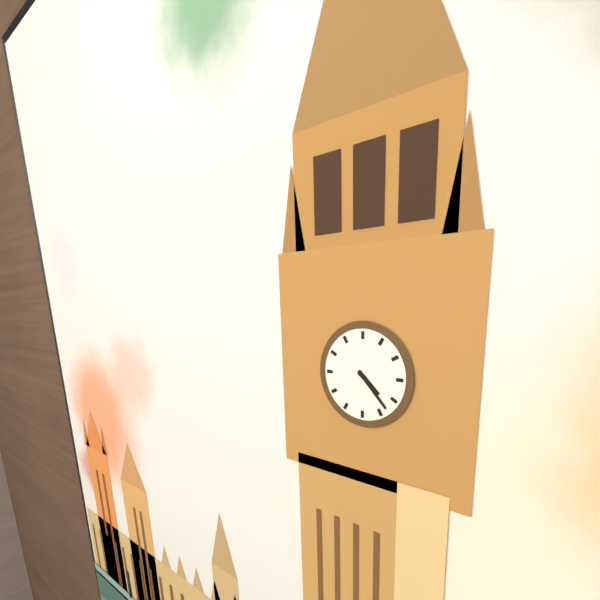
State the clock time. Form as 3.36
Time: 4.23
